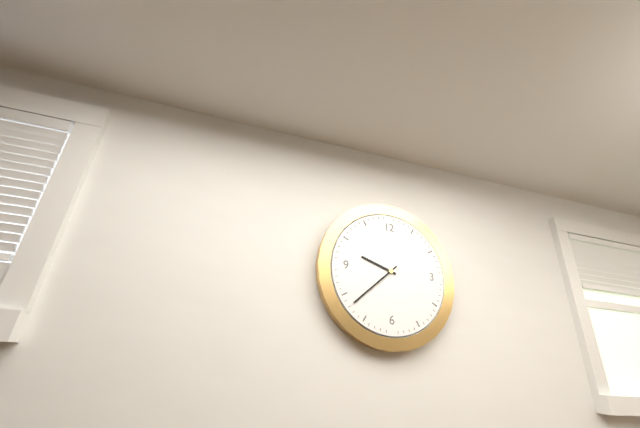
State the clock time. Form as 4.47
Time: 9.38
